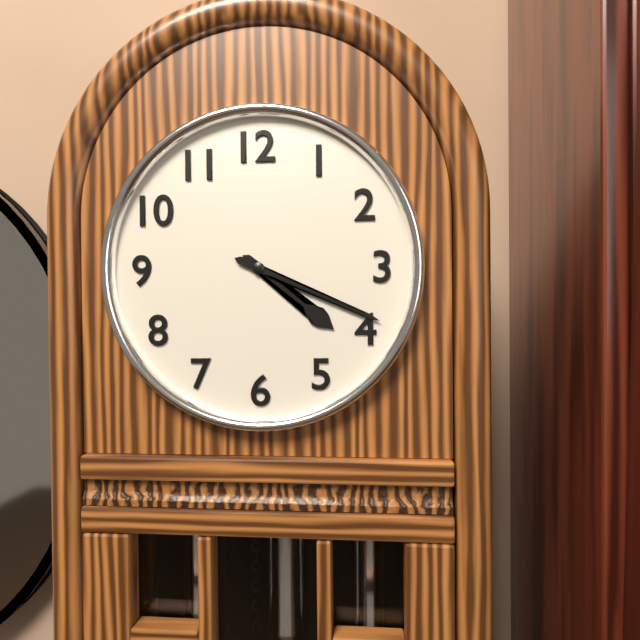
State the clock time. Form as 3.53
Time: 4.19
